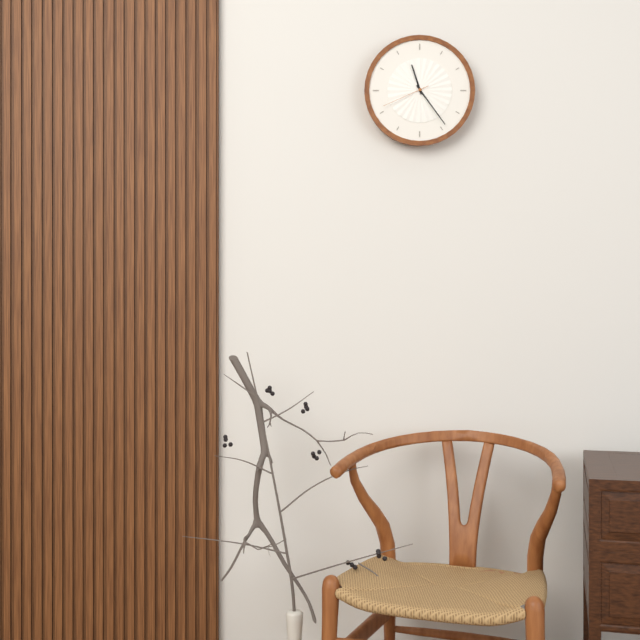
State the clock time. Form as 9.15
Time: 11.24
